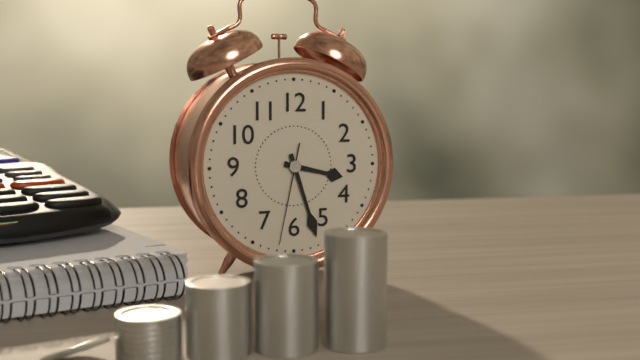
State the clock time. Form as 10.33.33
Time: 3.27.32
